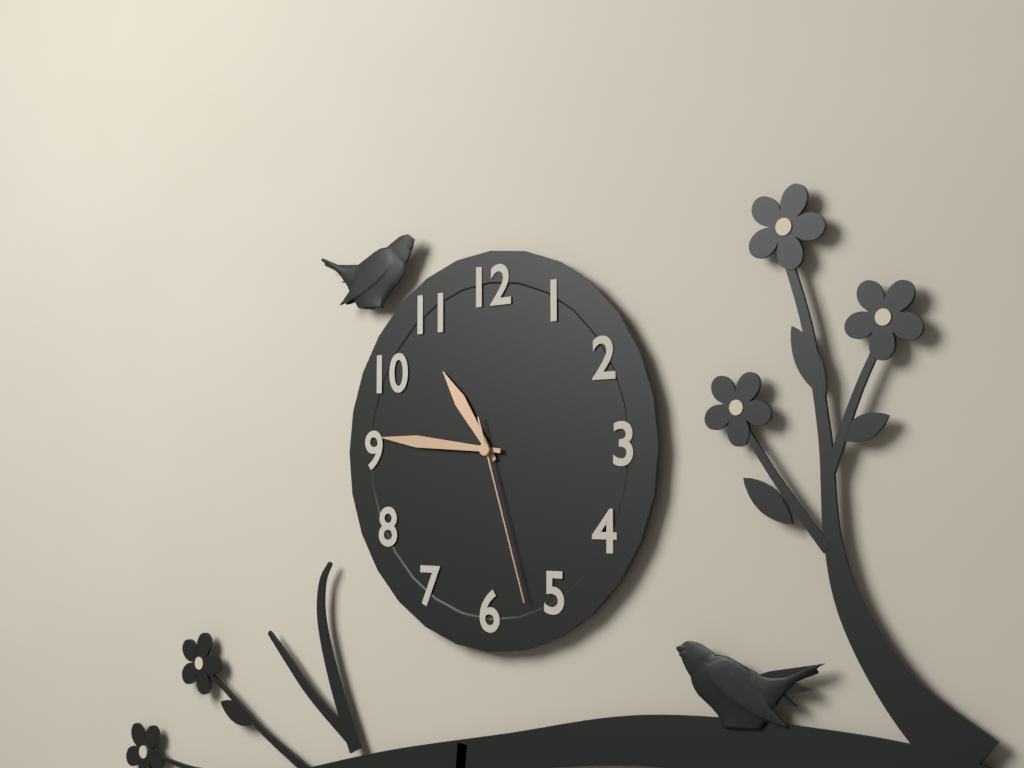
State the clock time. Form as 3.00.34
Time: 10.46.27
